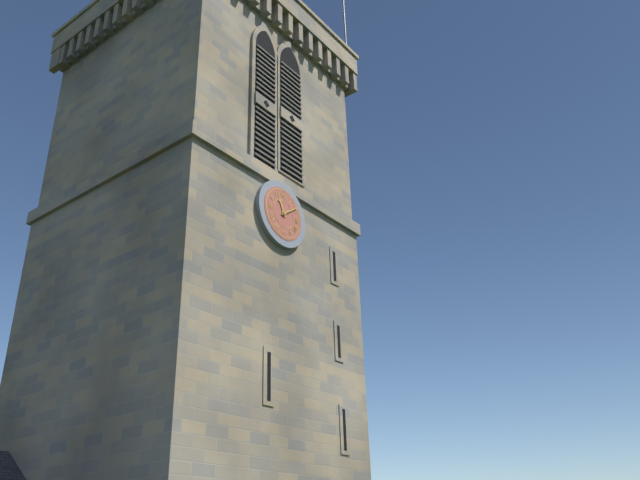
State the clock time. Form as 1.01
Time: 11.09
